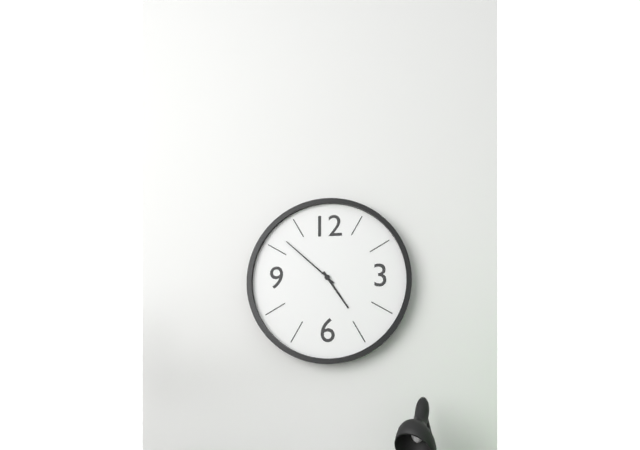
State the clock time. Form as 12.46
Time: 4.52
